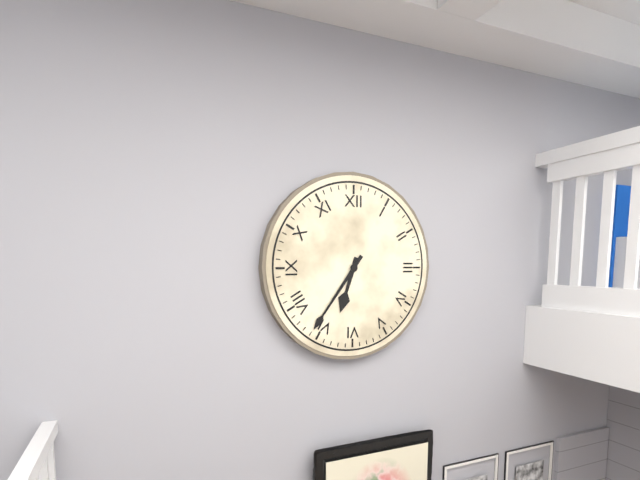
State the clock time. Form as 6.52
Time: 6.36
